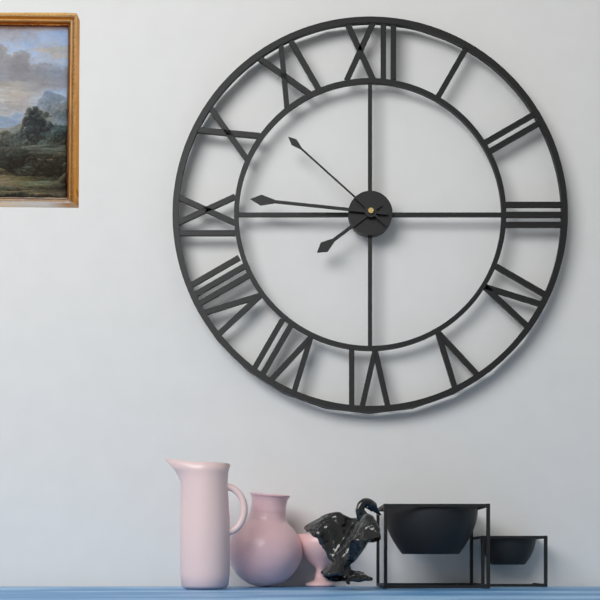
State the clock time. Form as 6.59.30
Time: 7.46.52
